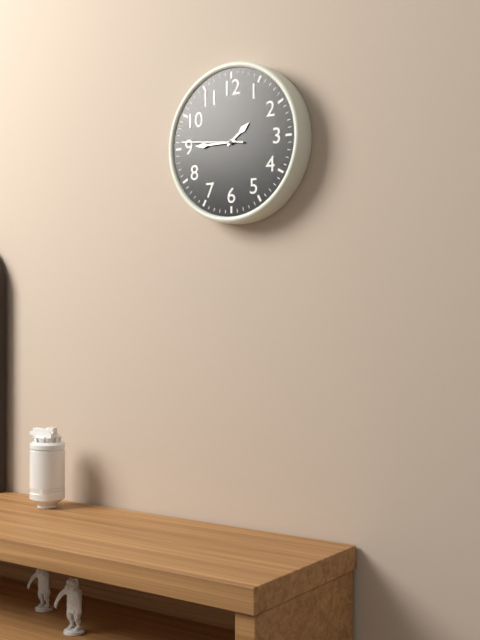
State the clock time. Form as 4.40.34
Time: 1.45.46
